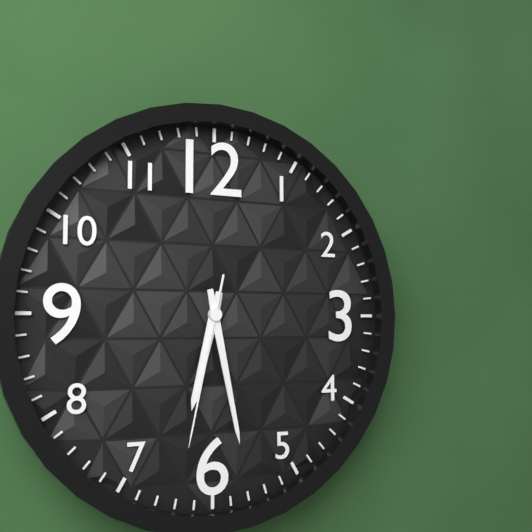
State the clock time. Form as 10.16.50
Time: 6.28.32
